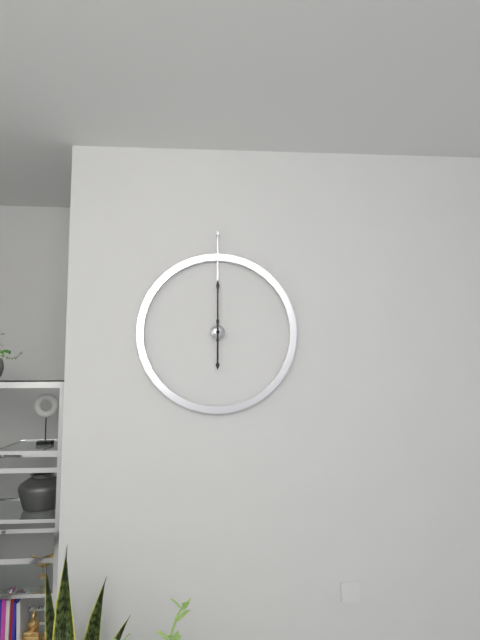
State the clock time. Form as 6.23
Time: 6.00
